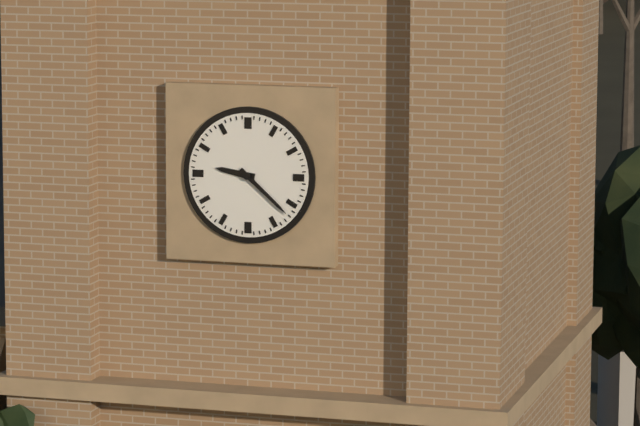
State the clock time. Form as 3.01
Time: 9.22
